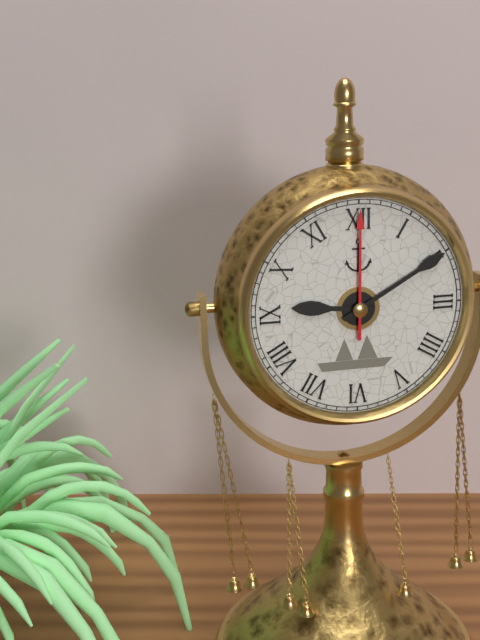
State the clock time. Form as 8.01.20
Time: 9.10.00
